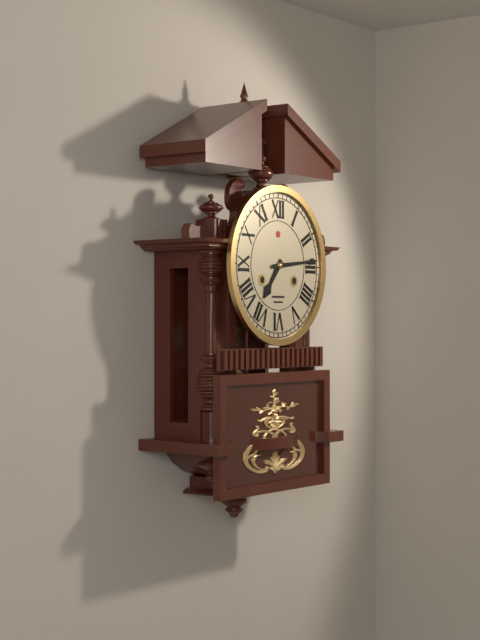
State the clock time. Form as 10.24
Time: 7.14
